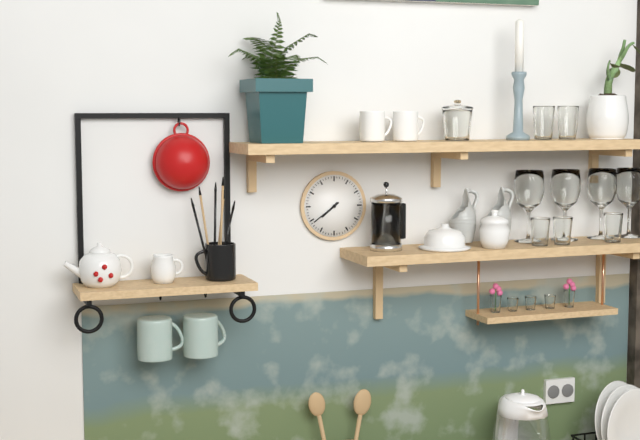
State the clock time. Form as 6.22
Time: 7.39
